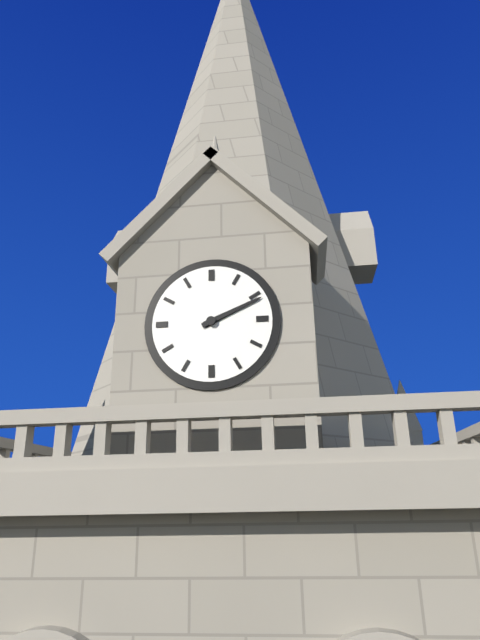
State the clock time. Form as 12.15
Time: 2.11
